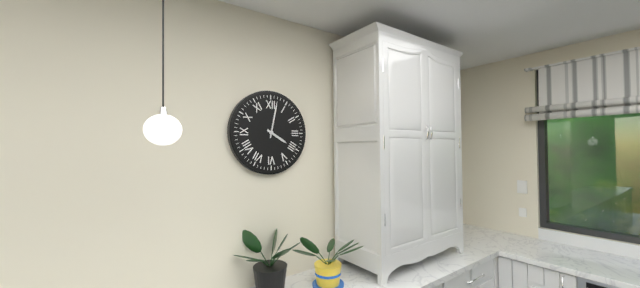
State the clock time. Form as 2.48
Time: 4.02
